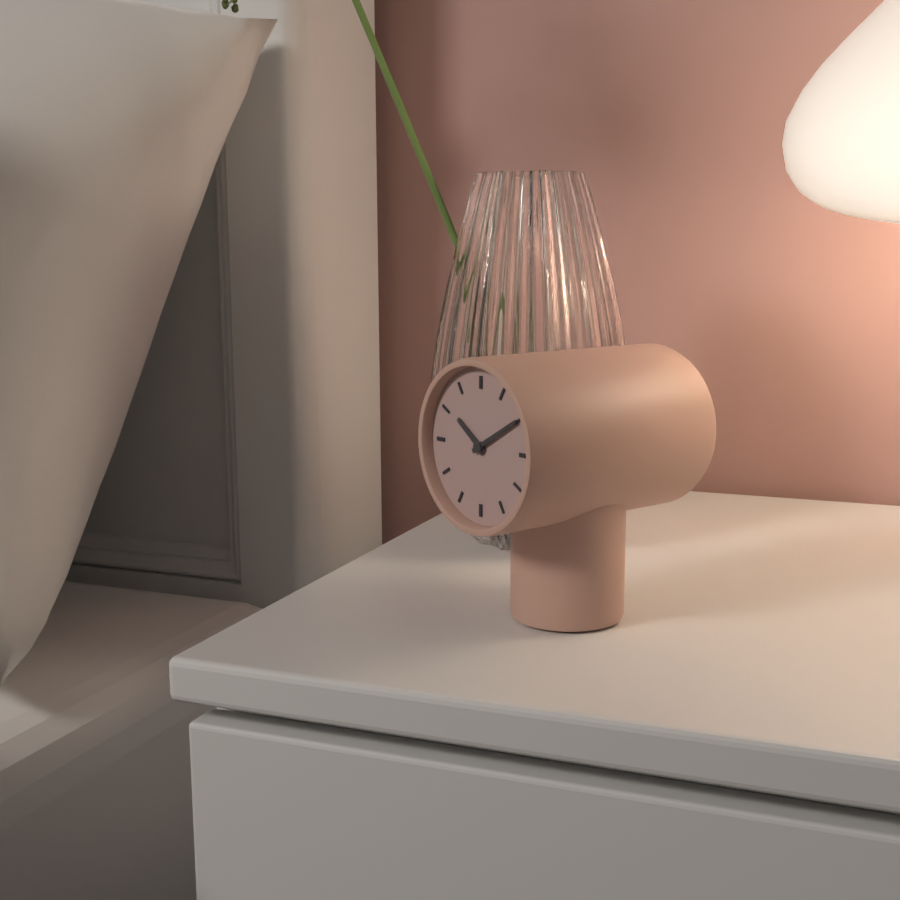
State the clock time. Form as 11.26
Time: 10.10
